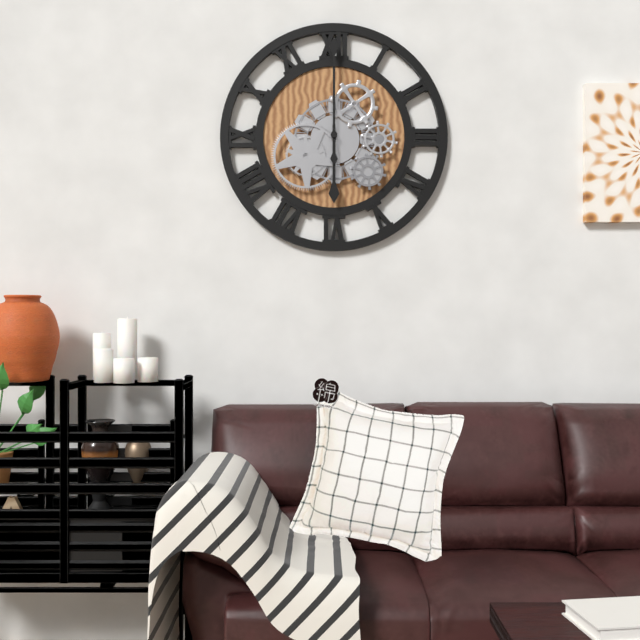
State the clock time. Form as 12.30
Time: 6.00
